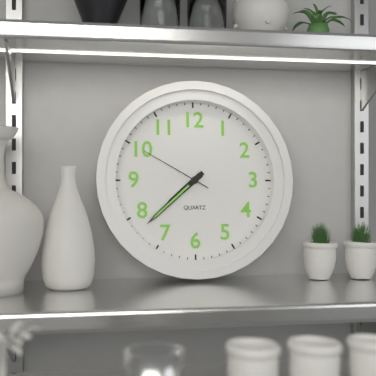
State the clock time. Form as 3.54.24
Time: 7.38.50
